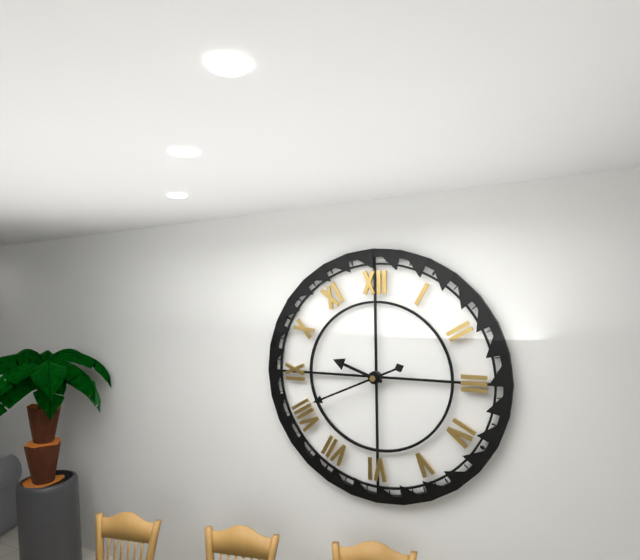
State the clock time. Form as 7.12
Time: 9.41
